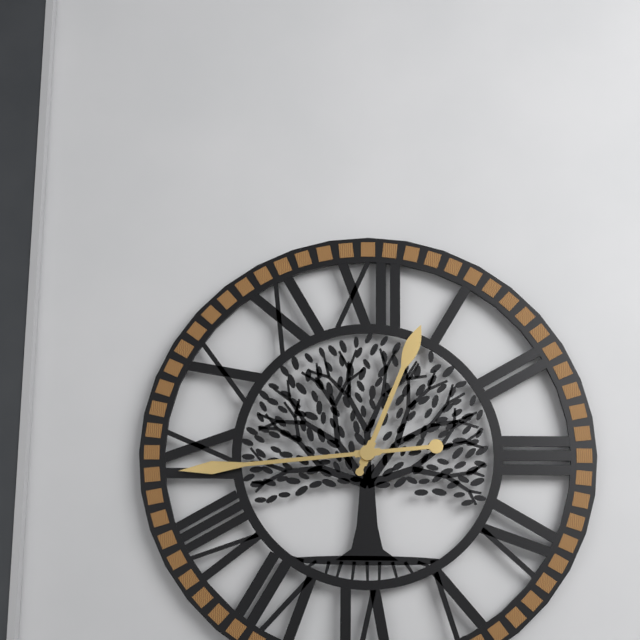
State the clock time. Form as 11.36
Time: 12.44
